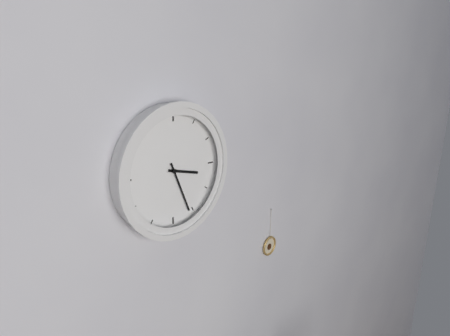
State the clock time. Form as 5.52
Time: 3.26
